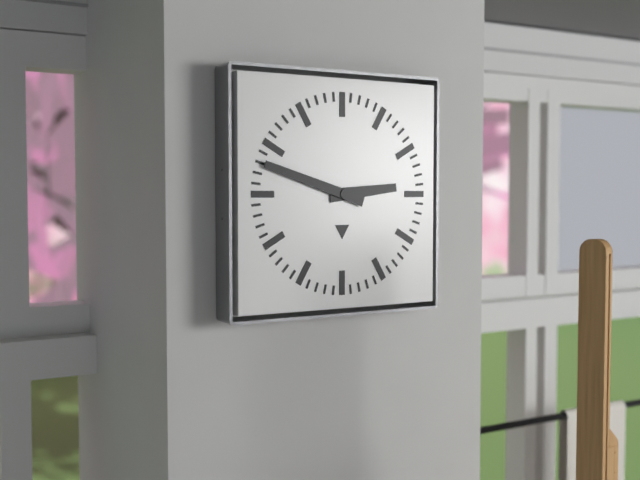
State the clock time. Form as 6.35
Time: 2.48
